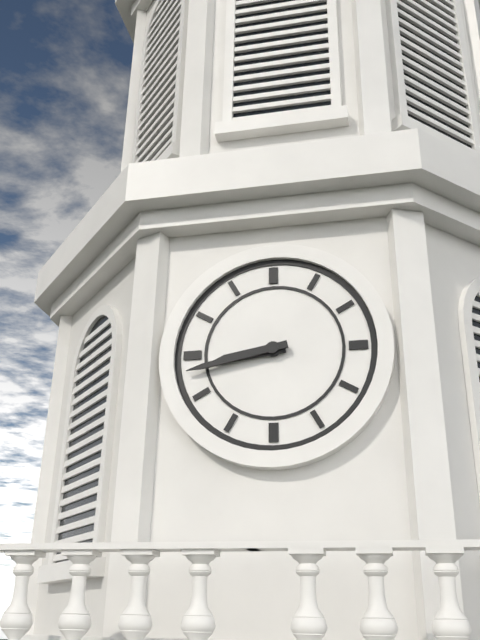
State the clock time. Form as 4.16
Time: 8.43
